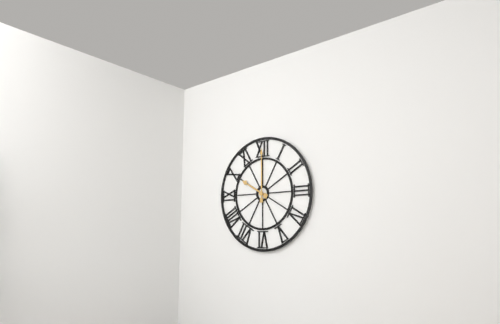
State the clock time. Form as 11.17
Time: 10.00
